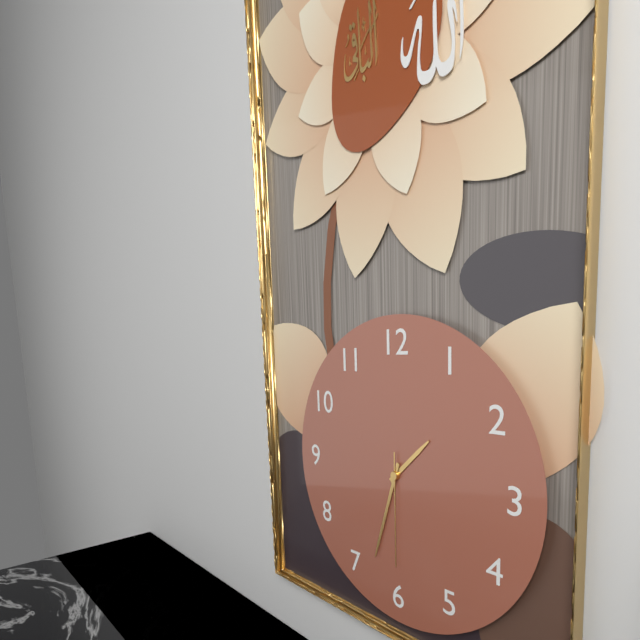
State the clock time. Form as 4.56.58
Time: 1.33.30
